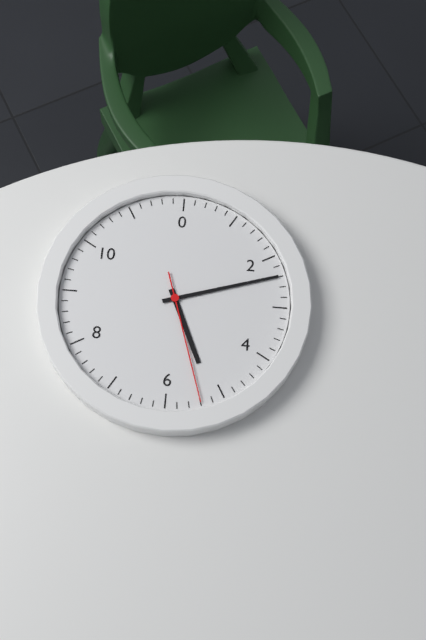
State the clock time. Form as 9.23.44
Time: 5.12.27
